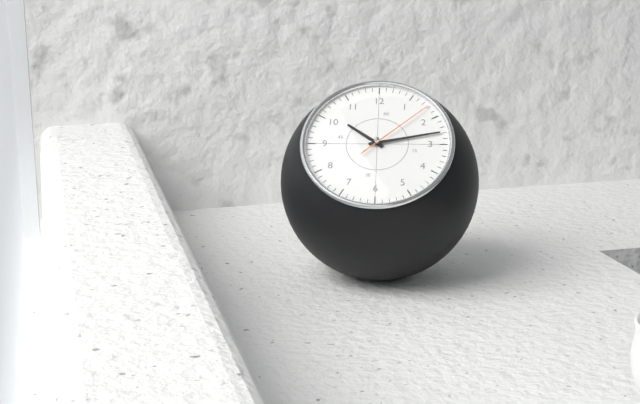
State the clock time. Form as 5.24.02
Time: 10.13.08
